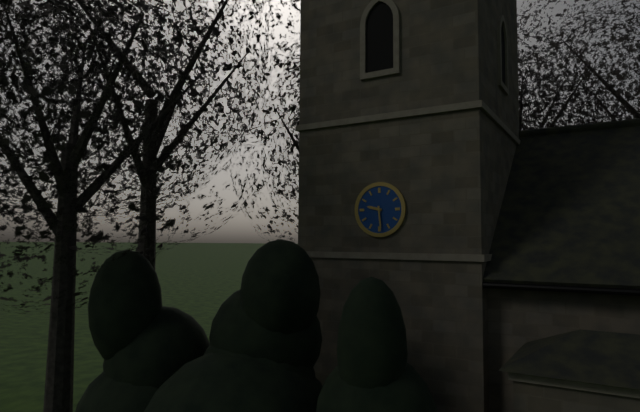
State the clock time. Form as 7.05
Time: 9.29
